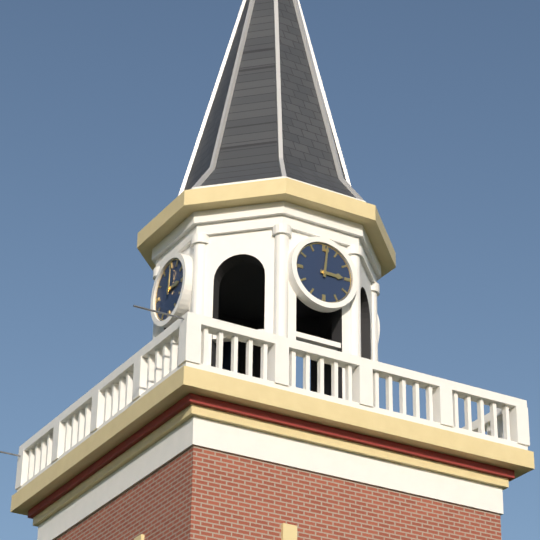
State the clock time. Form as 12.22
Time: 3.01
